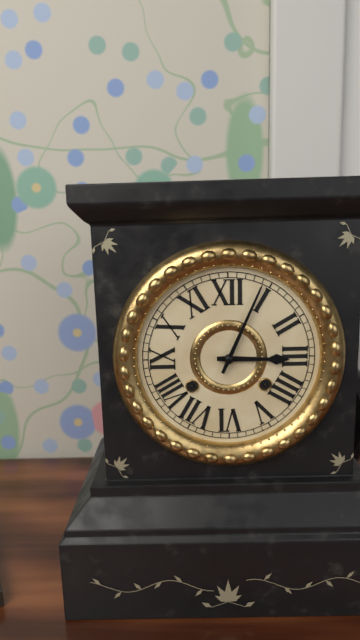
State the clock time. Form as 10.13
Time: 3.04
